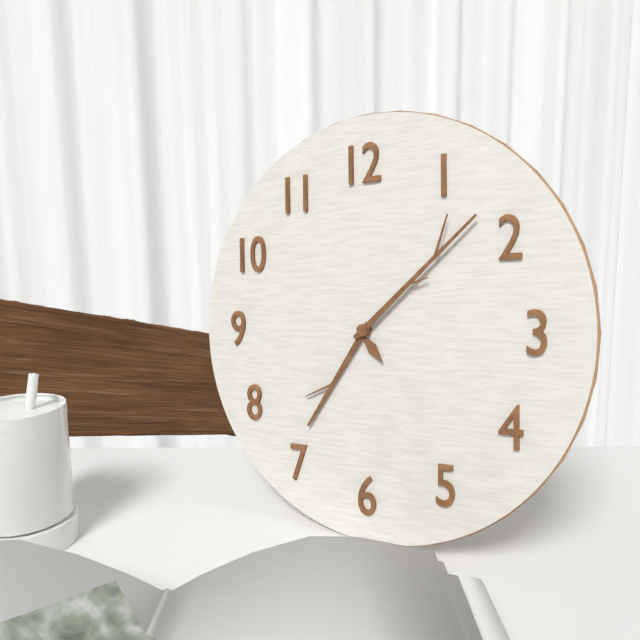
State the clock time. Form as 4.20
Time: 7.08
